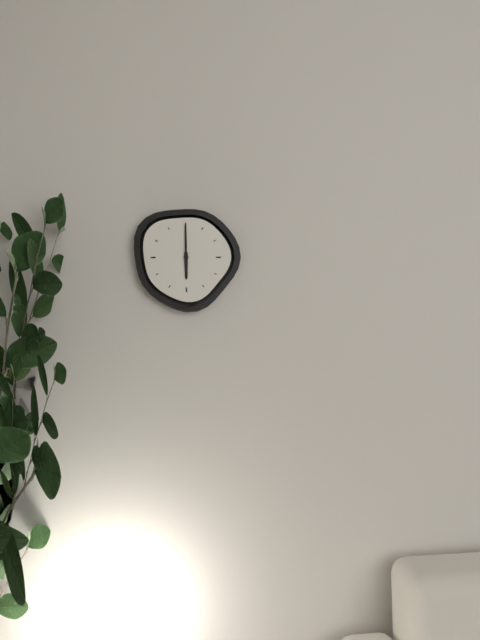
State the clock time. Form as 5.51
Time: 6.00
